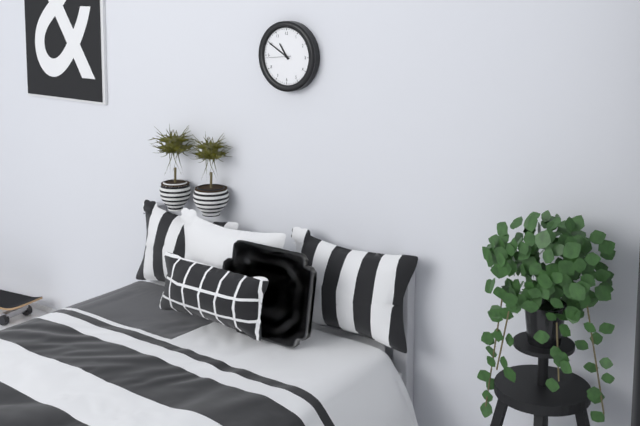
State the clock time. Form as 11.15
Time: 10.50
